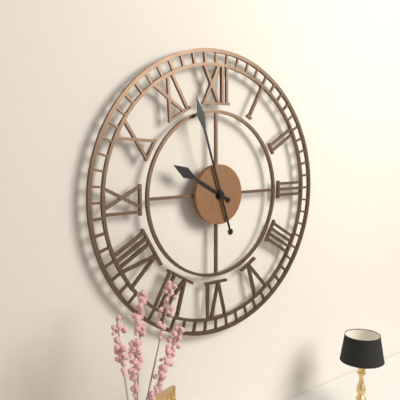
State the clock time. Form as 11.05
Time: 9.57
